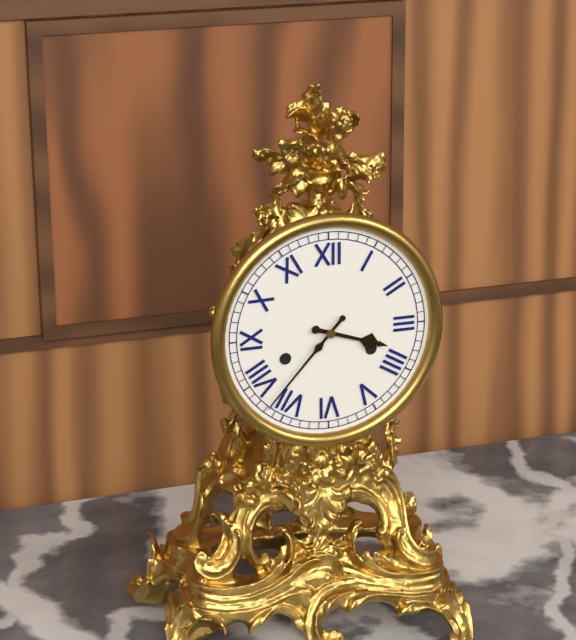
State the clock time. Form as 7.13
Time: 3.37
